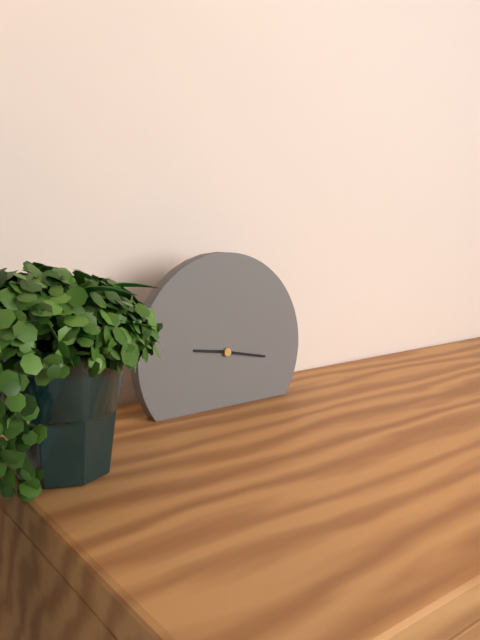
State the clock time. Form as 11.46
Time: 9.17
